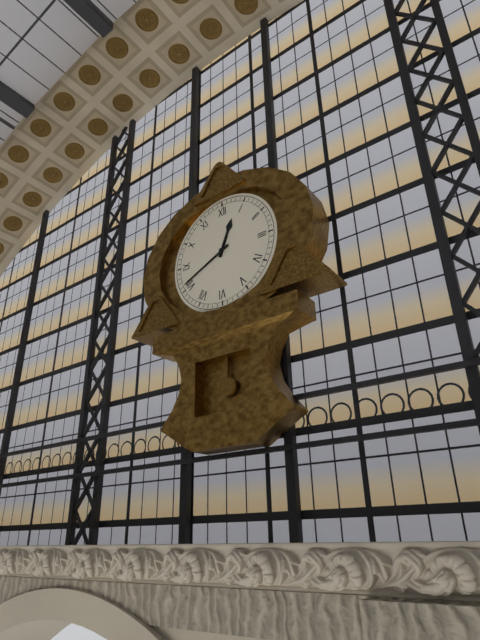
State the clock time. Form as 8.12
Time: 12.41
